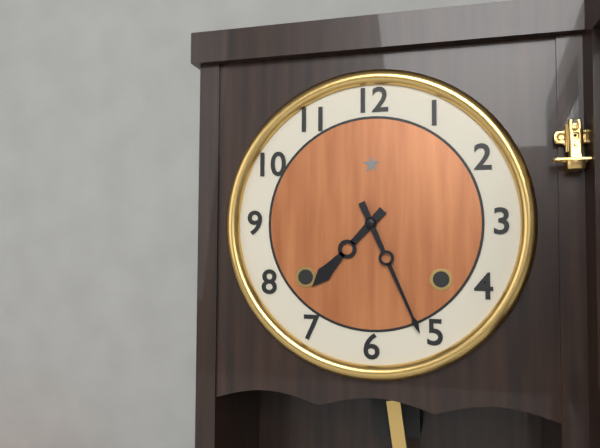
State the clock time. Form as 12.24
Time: 7.26
